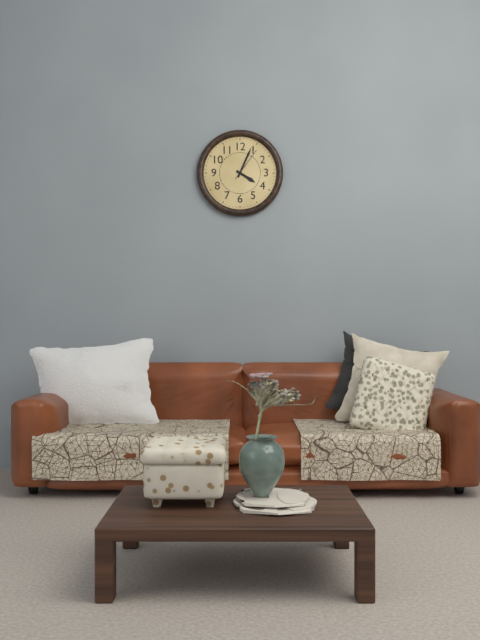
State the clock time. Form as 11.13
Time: 4.04
